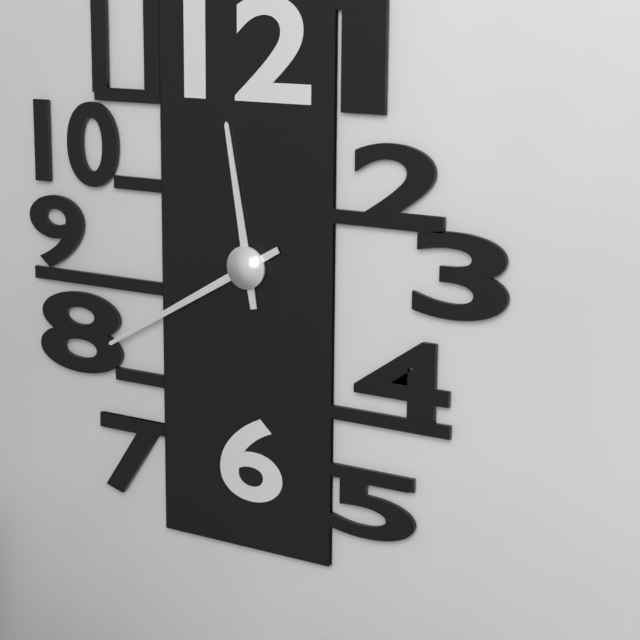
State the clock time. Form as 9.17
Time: 11.40
